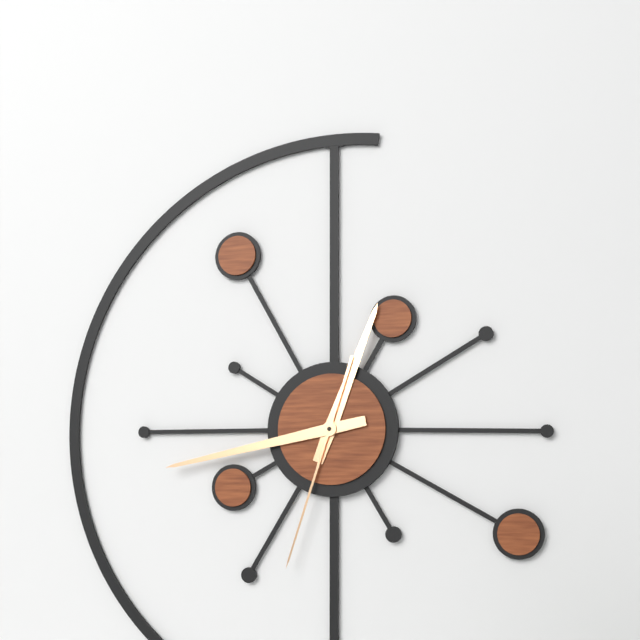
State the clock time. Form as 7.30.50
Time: 12.43.33
